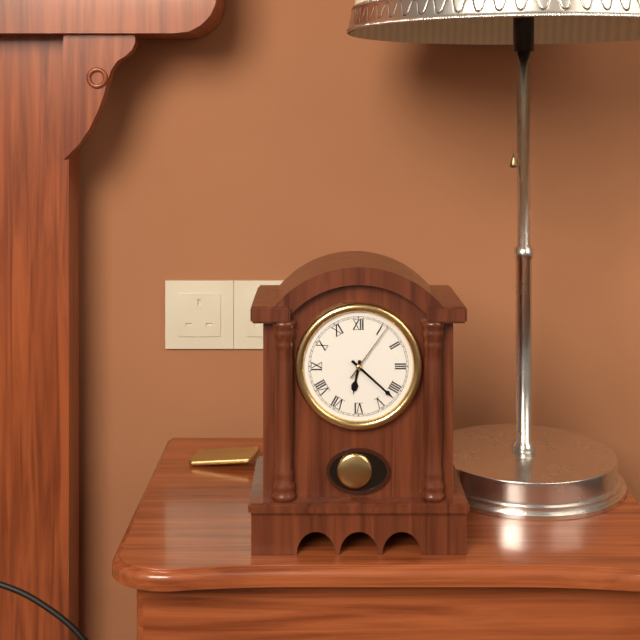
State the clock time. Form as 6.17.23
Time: 6.22.06
